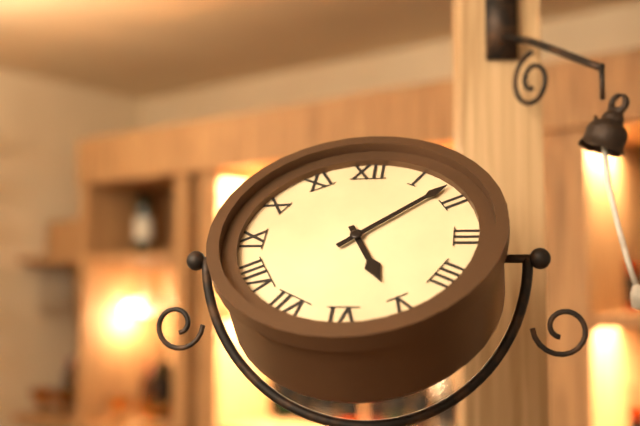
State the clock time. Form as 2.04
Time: 5.08
